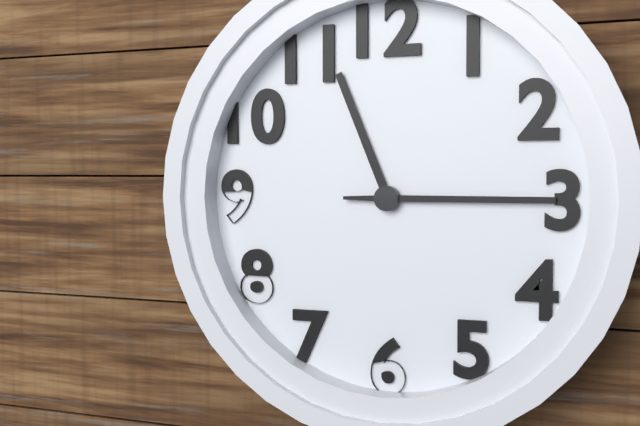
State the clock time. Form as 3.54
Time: 11.15
